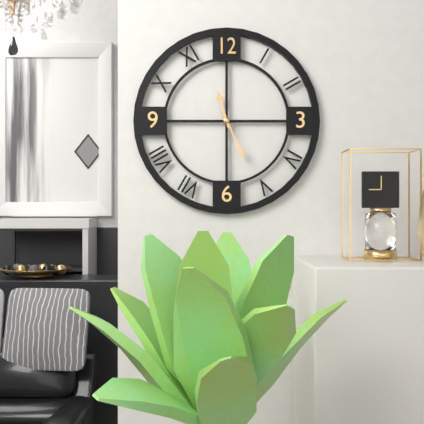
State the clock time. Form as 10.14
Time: 11.26
